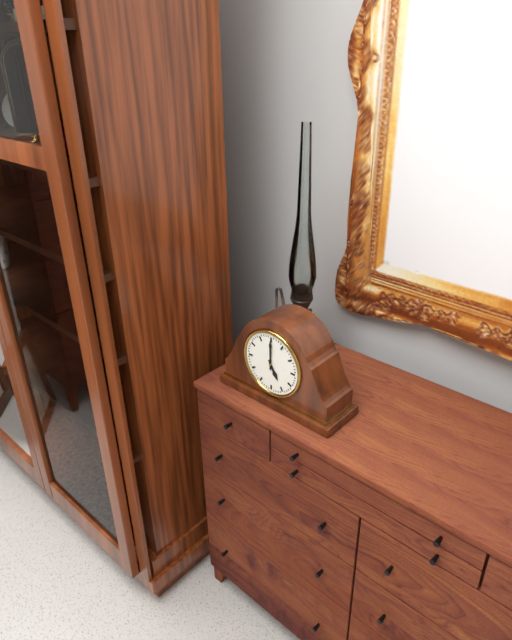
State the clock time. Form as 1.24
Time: 5.00
